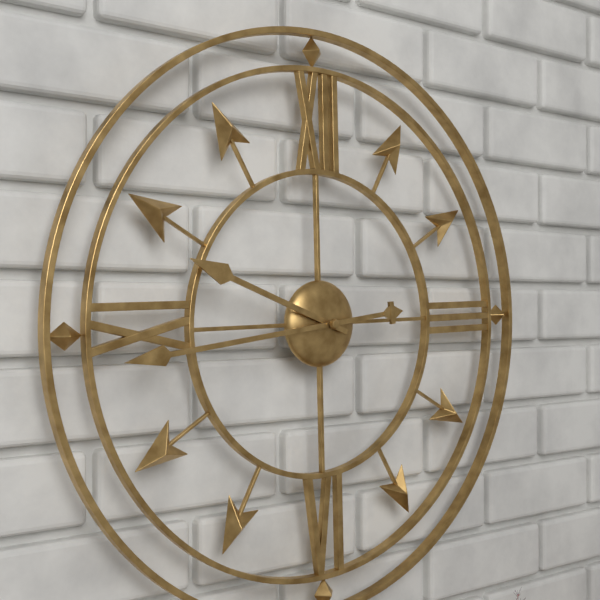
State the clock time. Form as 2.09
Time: 9.44
